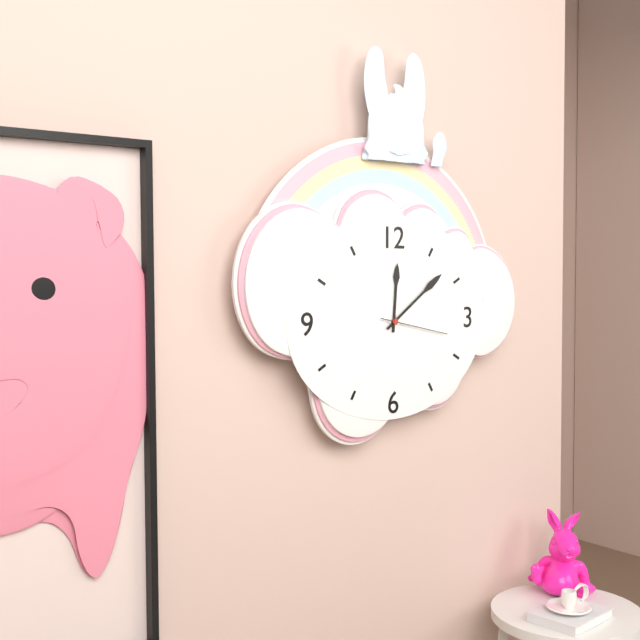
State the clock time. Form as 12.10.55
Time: 12.09.17
